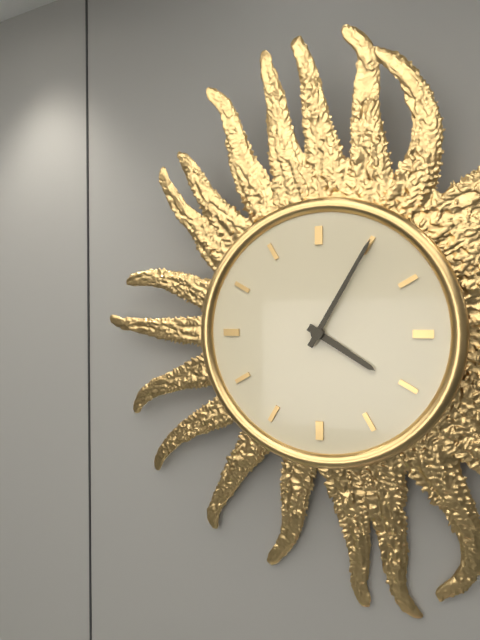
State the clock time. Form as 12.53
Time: 4.05
